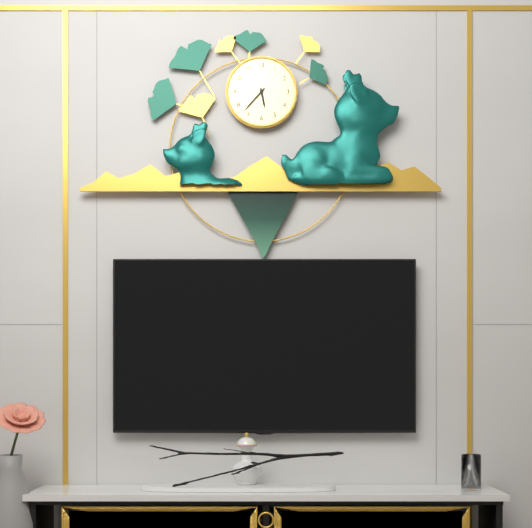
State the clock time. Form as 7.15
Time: 5.37
